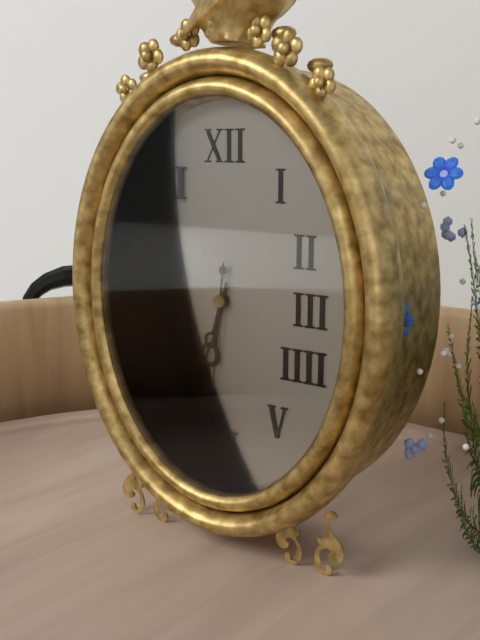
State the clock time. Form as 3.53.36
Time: 6.33.31
